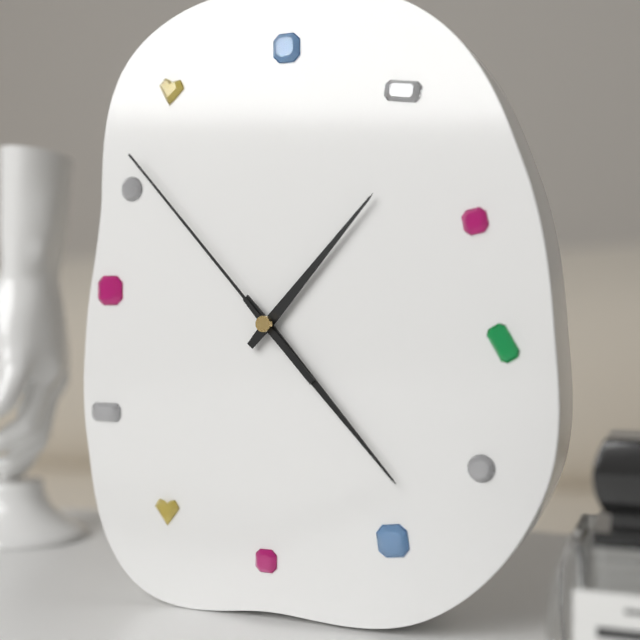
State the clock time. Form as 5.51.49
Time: 1.23.53
